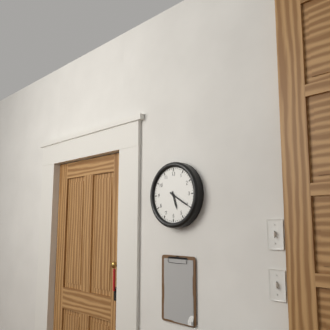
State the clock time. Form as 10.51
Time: 5.20
